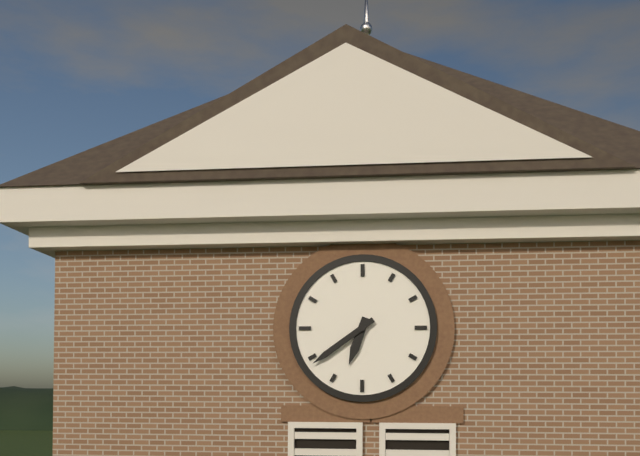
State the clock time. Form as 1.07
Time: 6.39
